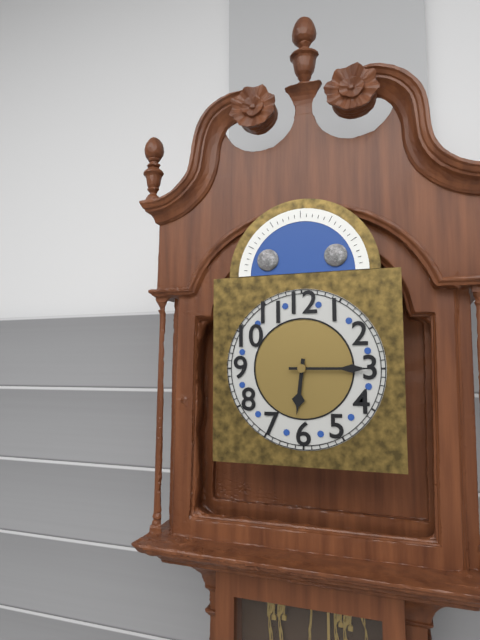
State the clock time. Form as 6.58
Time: 6.15
